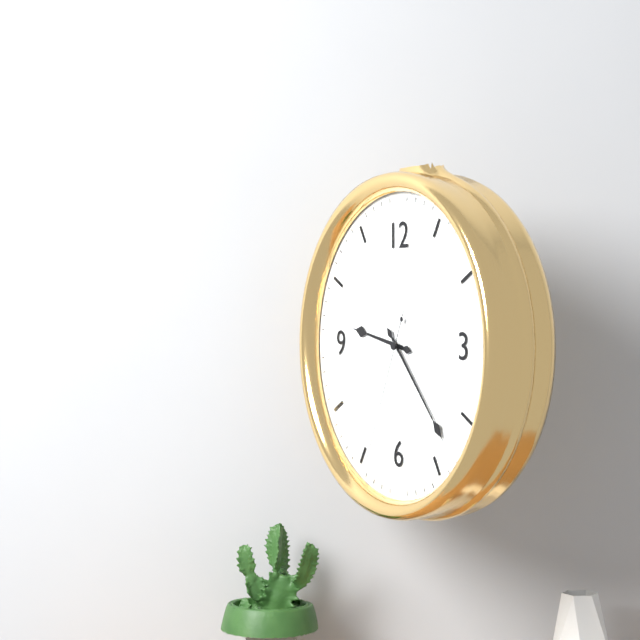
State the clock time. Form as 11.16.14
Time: 9.23.34
